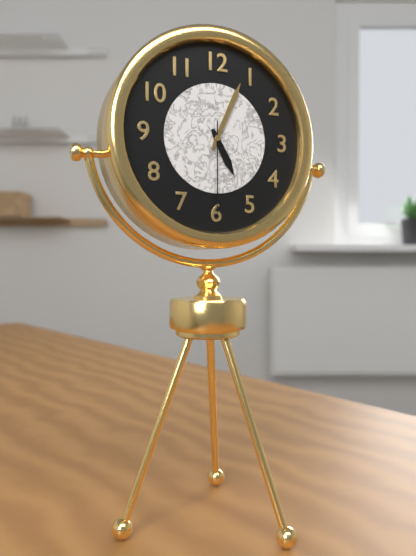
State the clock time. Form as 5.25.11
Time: 5.04.30
